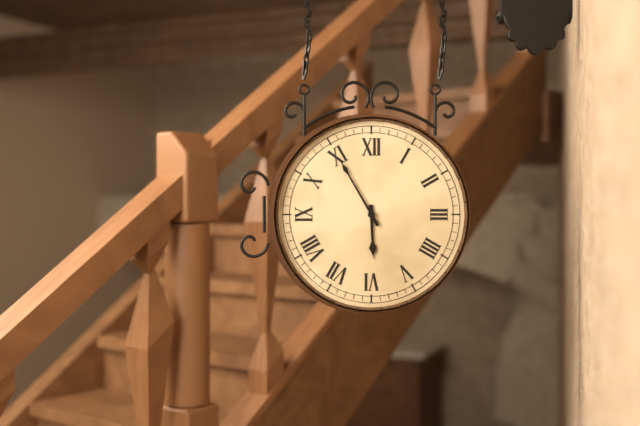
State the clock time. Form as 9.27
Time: 5.55
